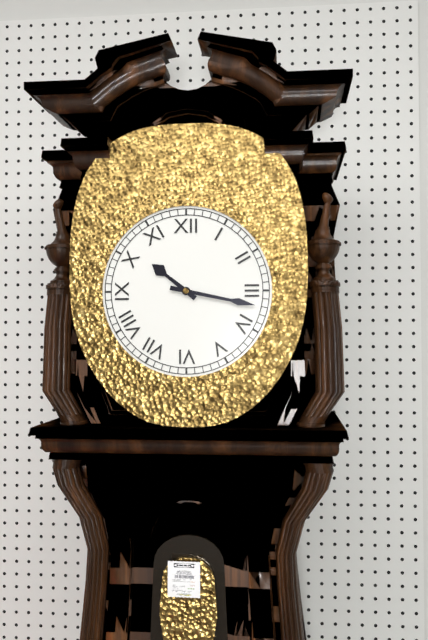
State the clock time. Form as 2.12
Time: 10.17
